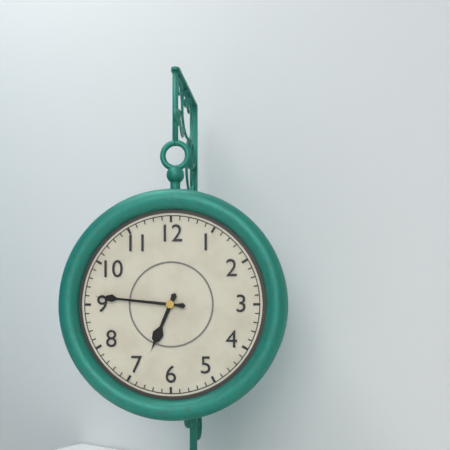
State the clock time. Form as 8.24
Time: 6.46
